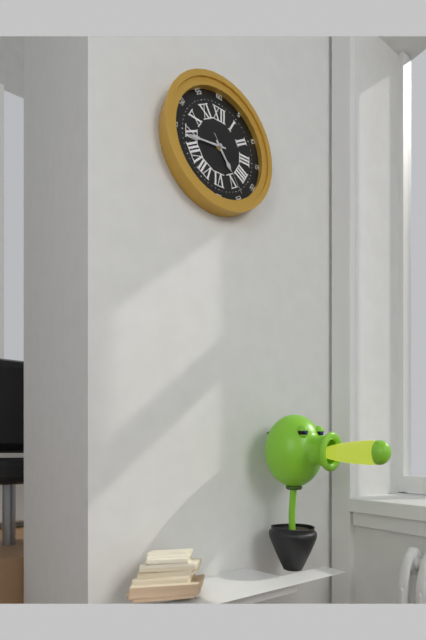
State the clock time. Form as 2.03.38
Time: 4.44.24
